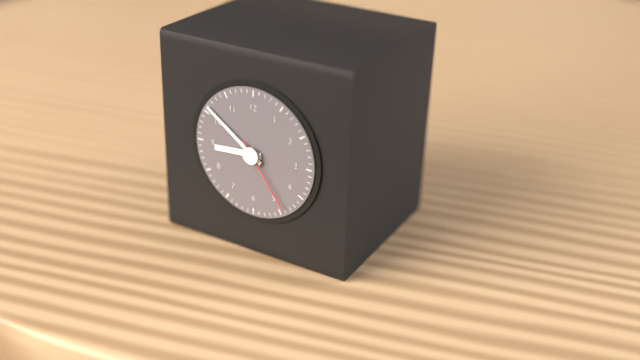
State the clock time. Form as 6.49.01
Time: 8.51.24
